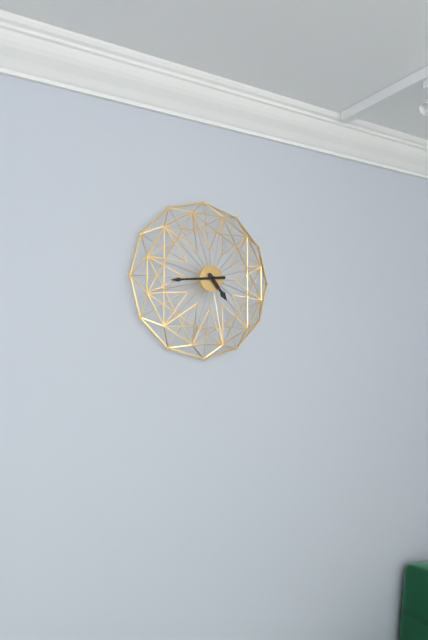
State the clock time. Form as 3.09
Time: 4.44
